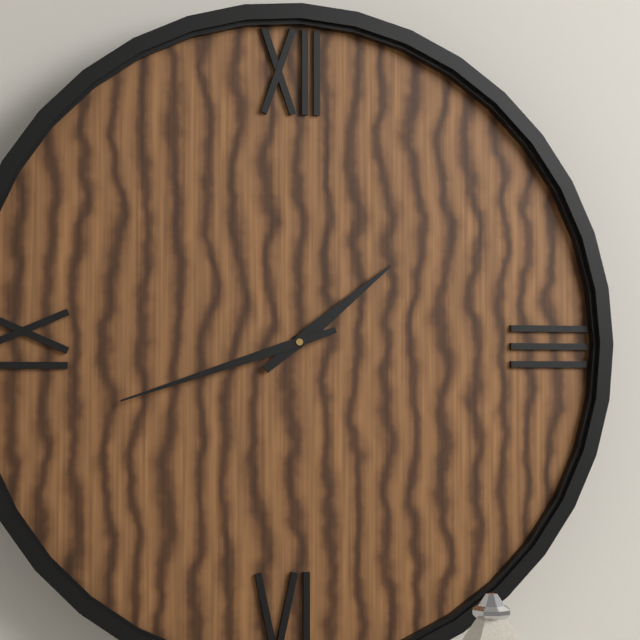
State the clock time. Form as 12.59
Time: 1.42
